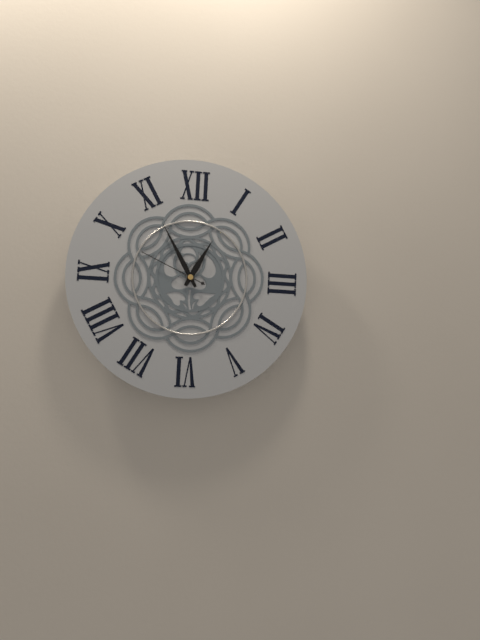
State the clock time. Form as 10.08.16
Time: 12.55.49
